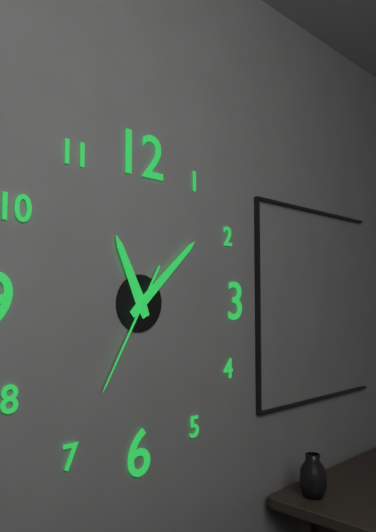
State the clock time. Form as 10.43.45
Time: 11.08.35
